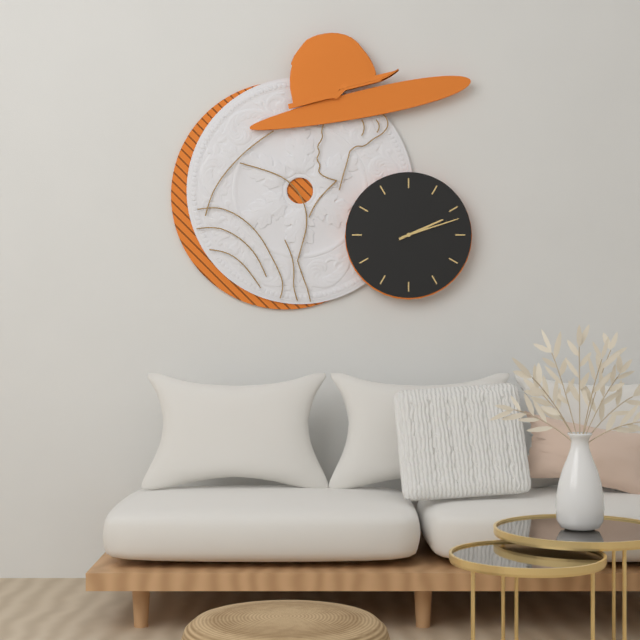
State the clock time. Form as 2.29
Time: 2.12
